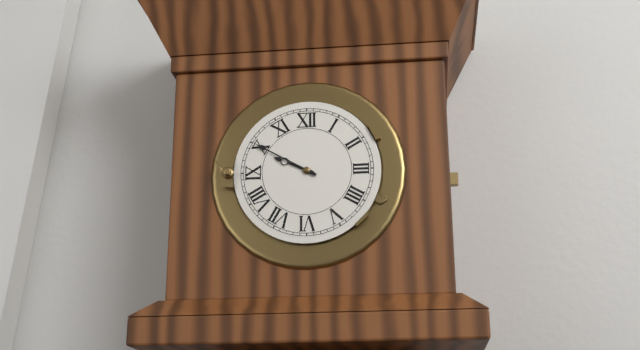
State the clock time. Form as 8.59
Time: 9.50
